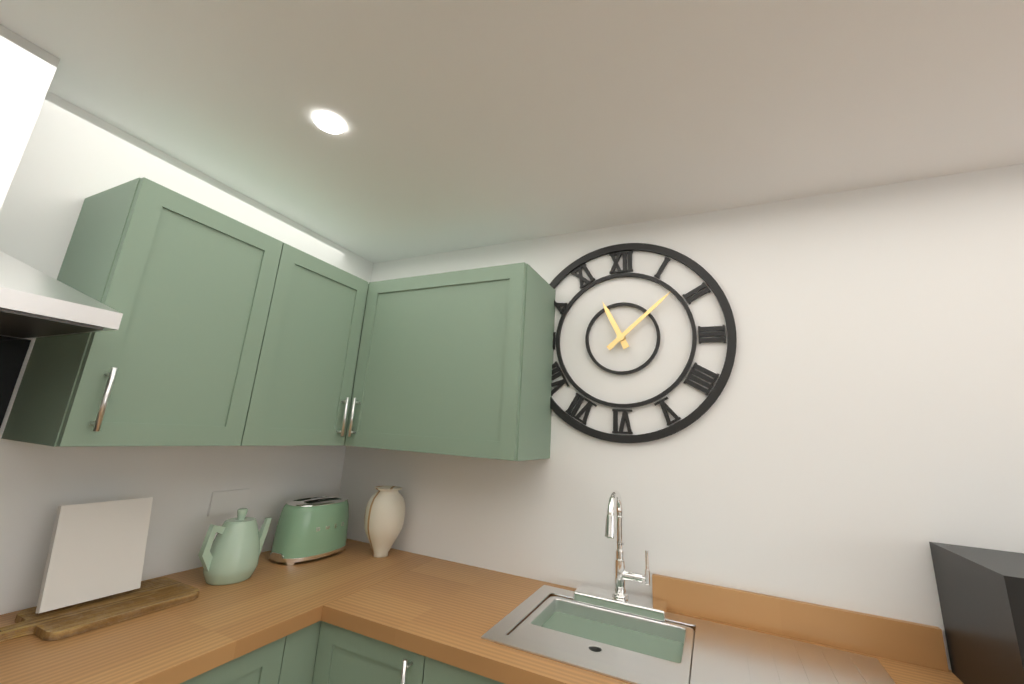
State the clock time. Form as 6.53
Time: 11.08
